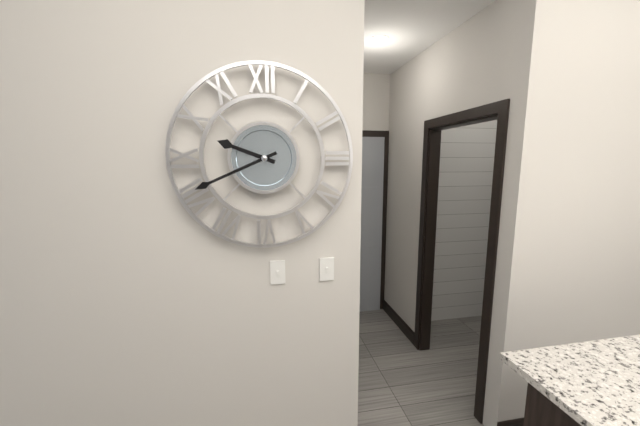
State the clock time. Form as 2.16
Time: 9.41
